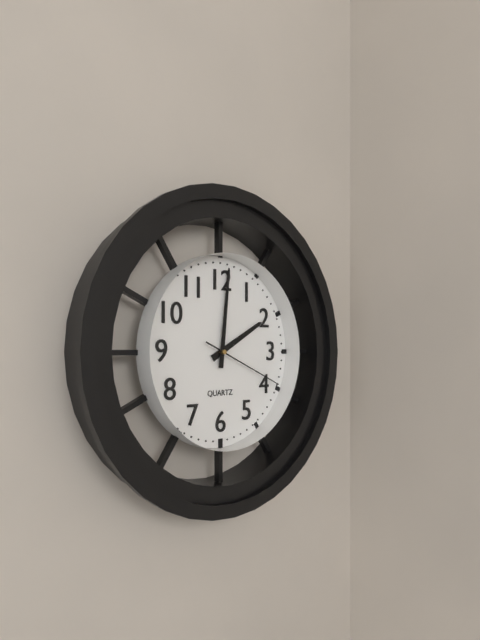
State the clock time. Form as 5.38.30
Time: 2.01.19
